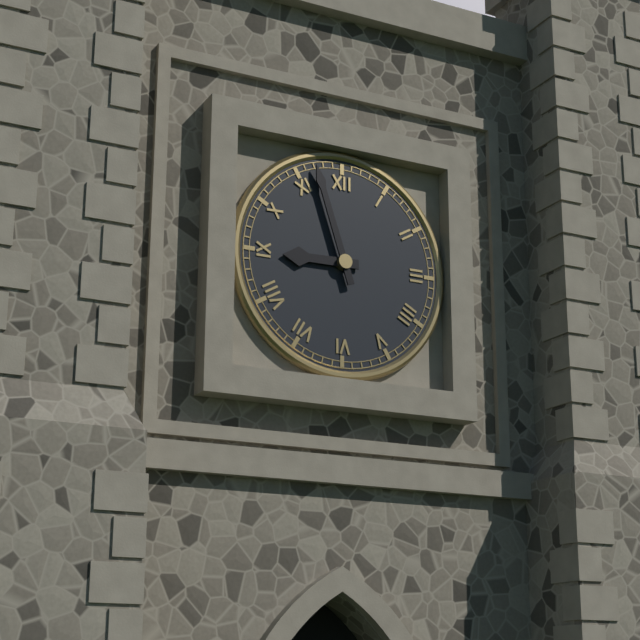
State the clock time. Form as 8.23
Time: 8.57
